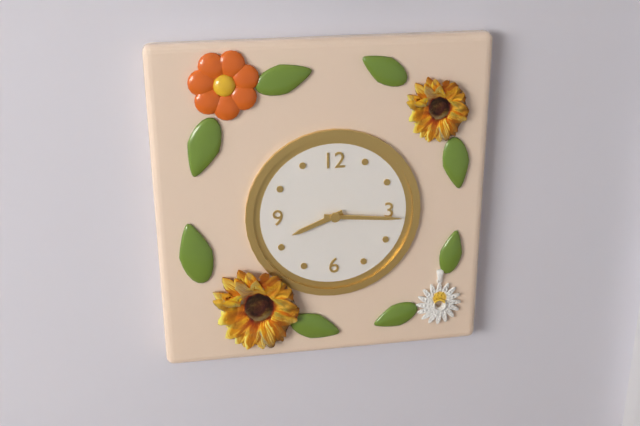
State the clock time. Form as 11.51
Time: 8.16
